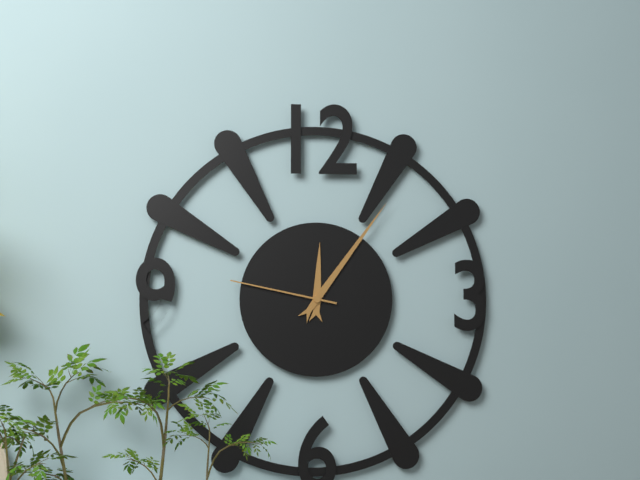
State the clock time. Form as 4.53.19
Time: 12.06.47
